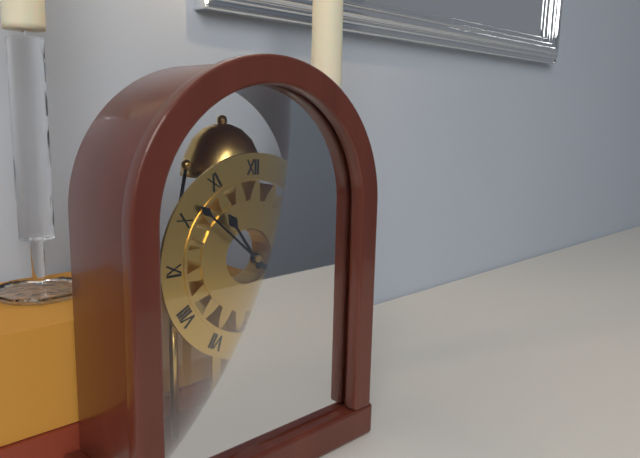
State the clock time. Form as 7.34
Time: 10.52
